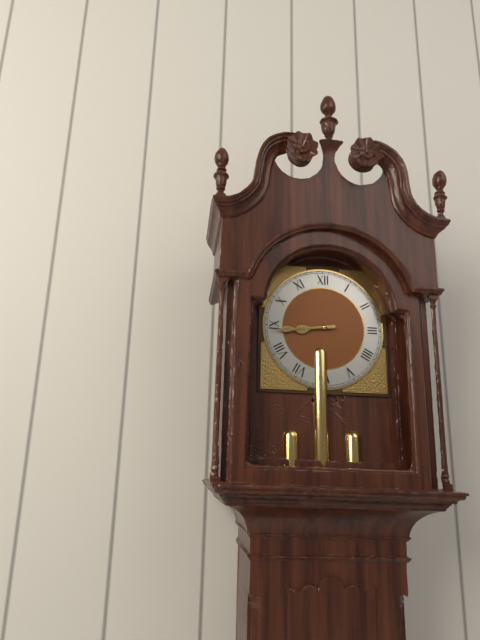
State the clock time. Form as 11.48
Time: 8.44
